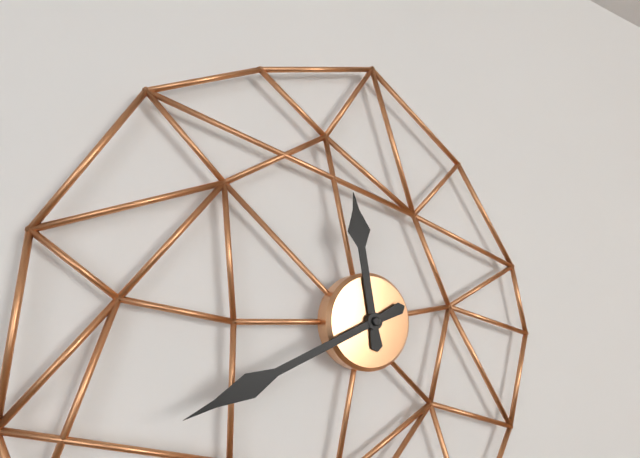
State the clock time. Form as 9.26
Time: 11.41
